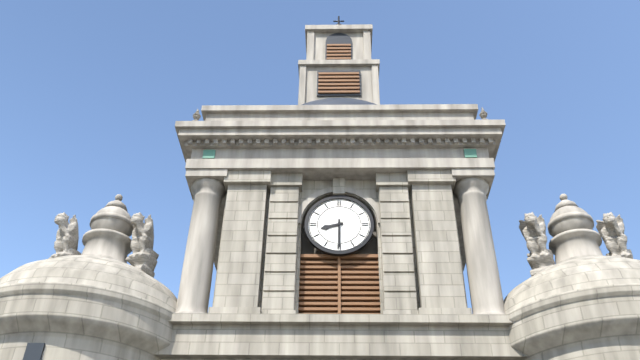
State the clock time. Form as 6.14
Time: 8.30
